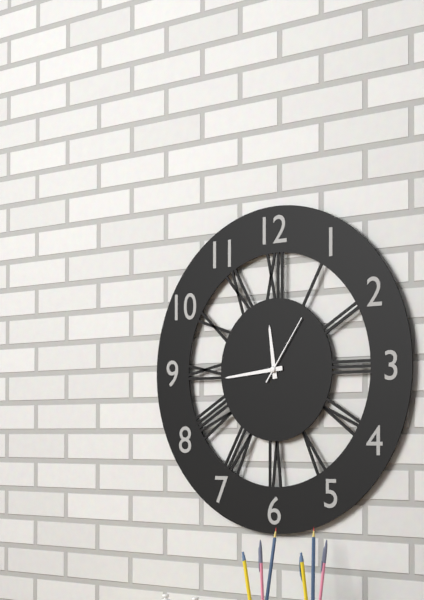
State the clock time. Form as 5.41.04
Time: 11.44.06
